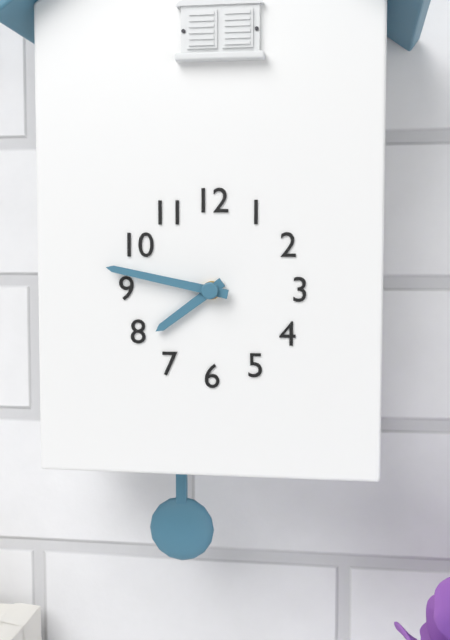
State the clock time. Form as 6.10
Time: 7.47
